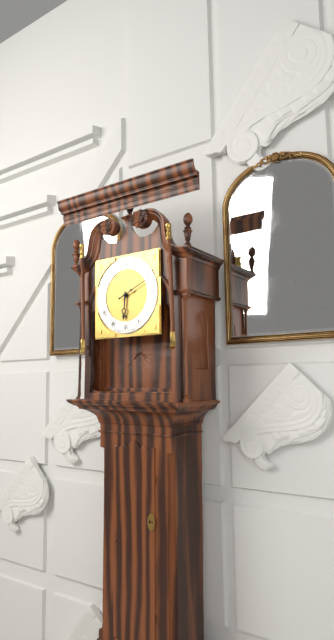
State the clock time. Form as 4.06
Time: 6.11
